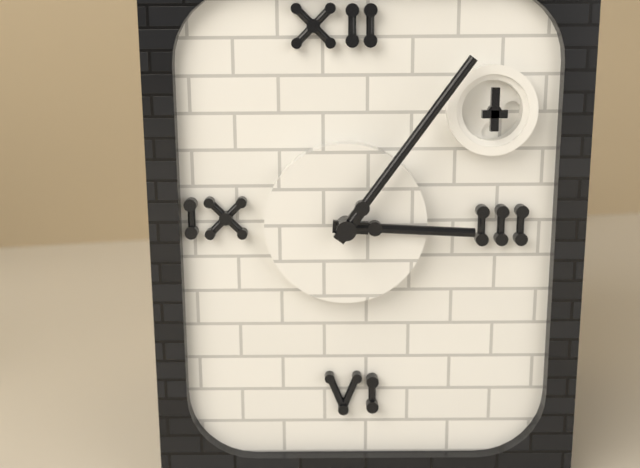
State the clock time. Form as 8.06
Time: 3.06
